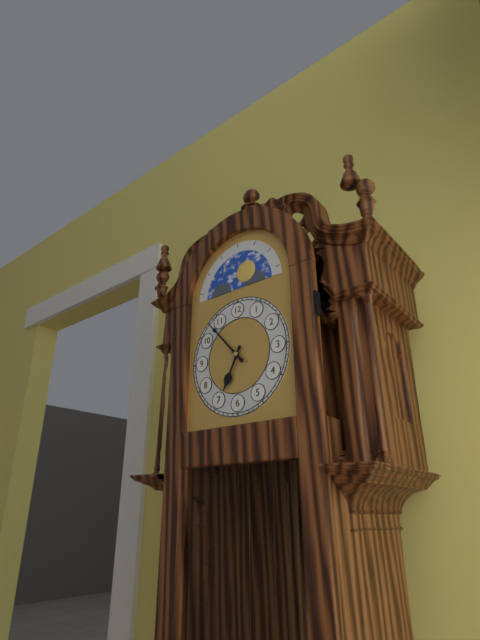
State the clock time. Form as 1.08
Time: 6.53
